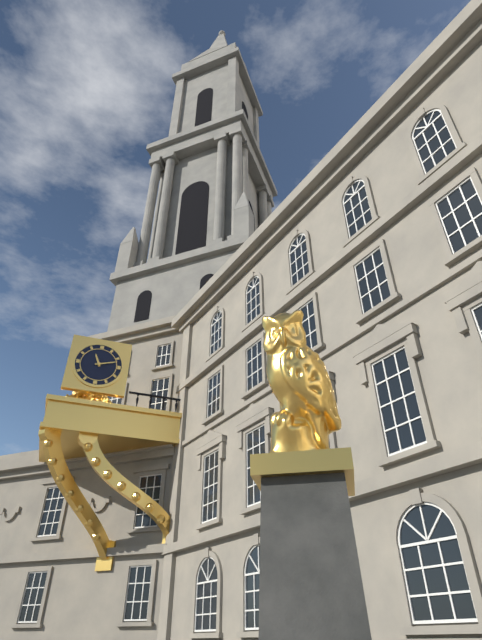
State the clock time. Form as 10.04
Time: 11.12
